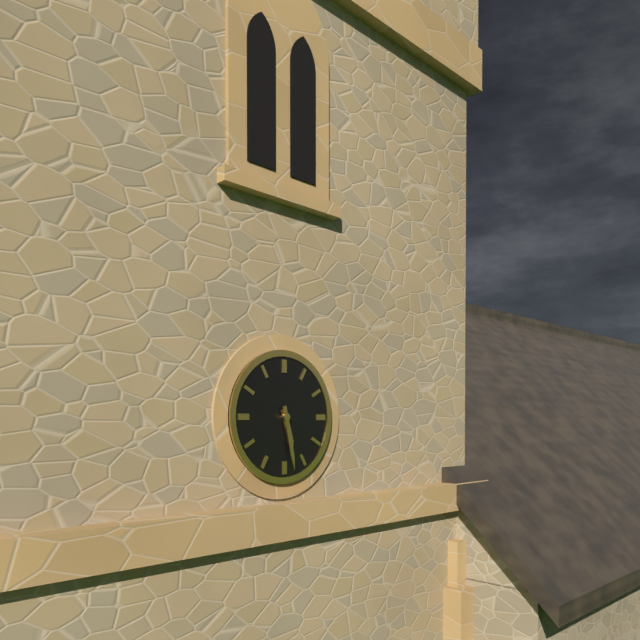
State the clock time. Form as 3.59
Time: 5.28
